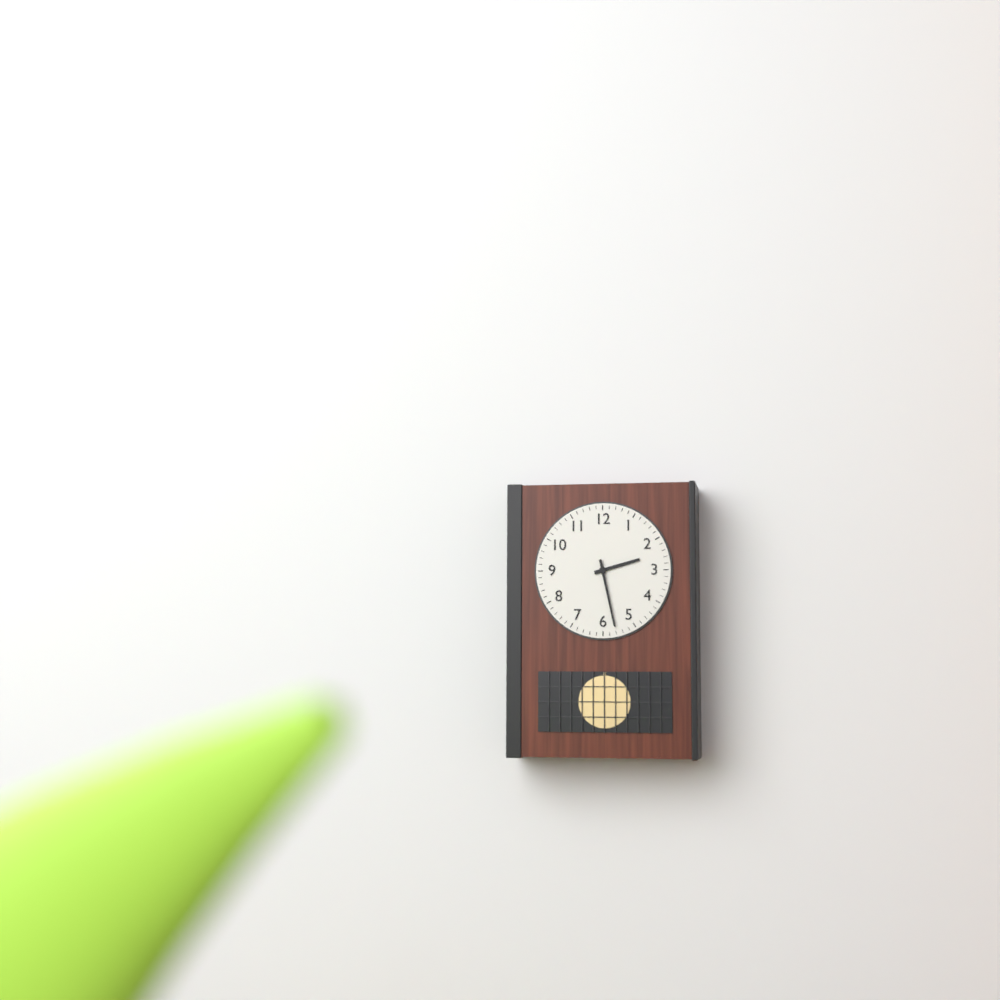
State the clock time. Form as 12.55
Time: 2.28
